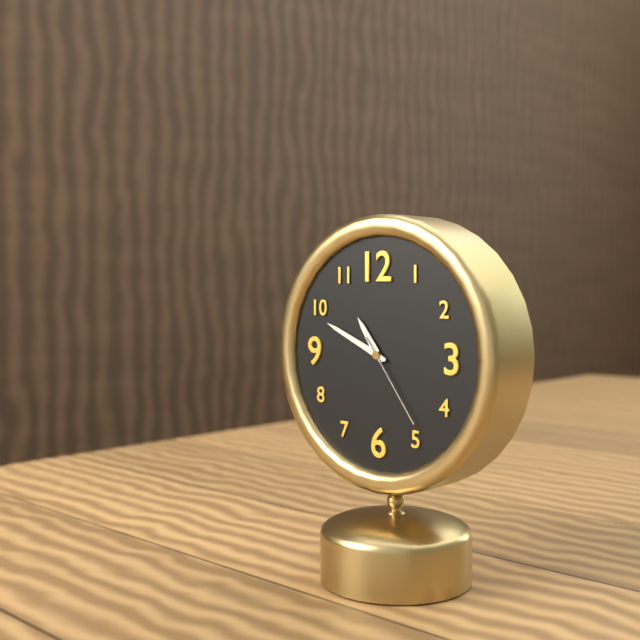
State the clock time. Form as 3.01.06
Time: 10.49.24
